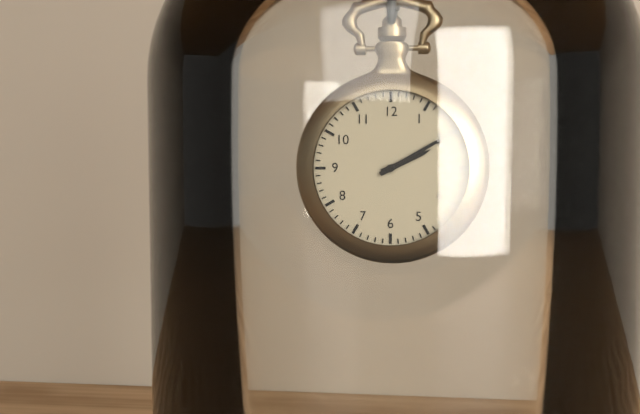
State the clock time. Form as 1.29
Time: 2.10
